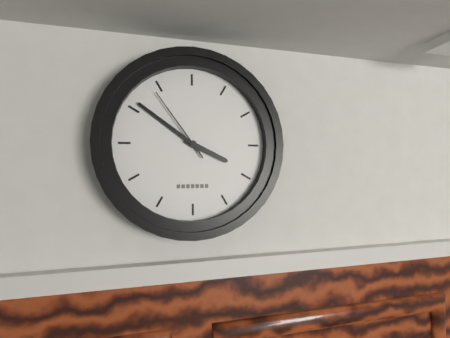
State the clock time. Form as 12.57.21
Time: 3.51.54
